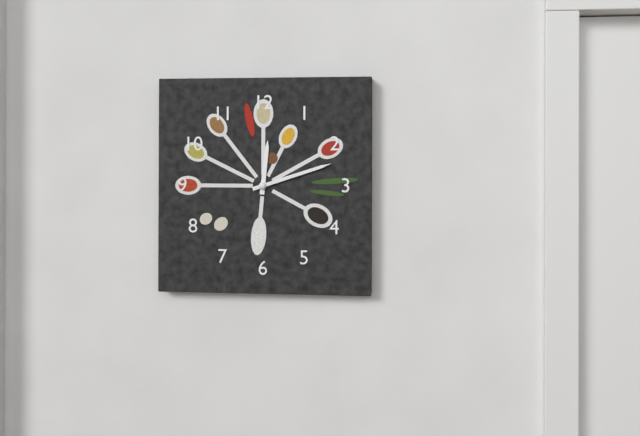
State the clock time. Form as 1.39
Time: 12.12
